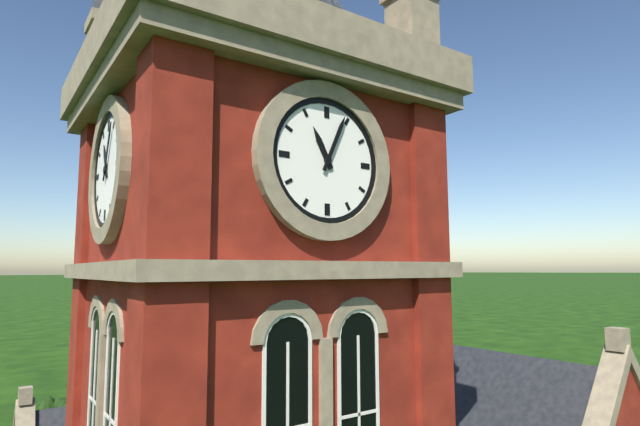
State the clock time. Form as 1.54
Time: 11.04
